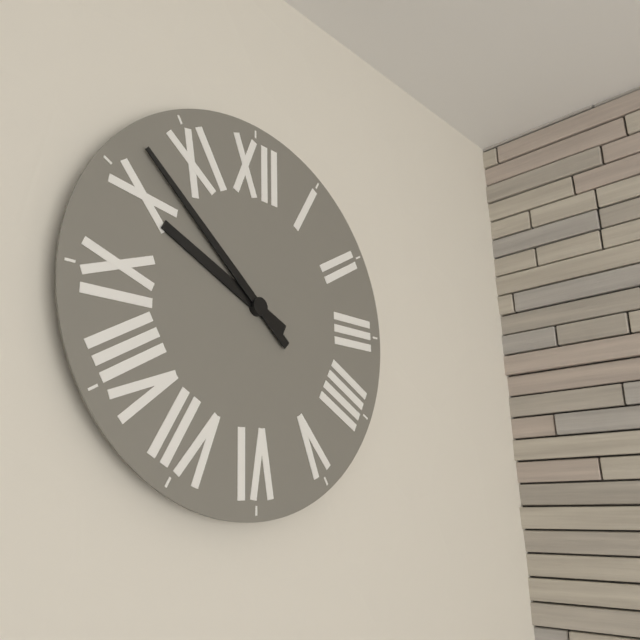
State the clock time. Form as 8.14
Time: 9.52
